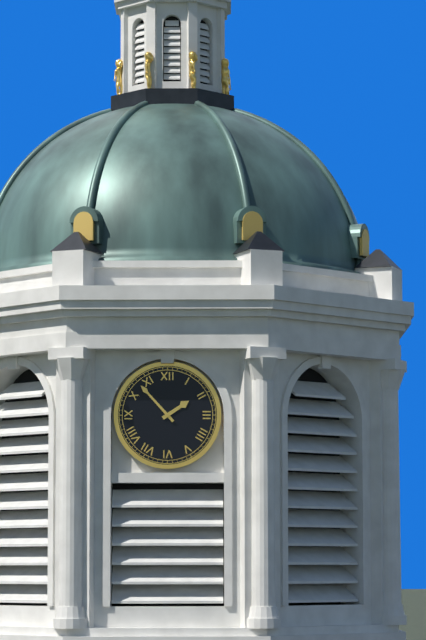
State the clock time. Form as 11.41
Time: 1.53
